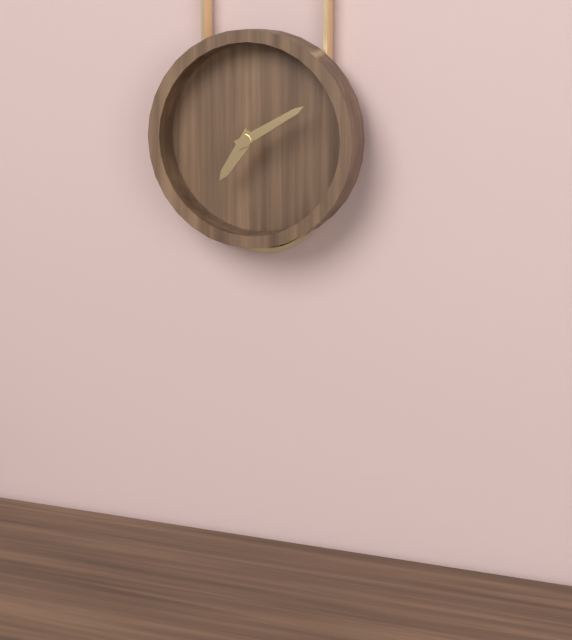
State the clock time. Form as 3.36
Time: 7.10
